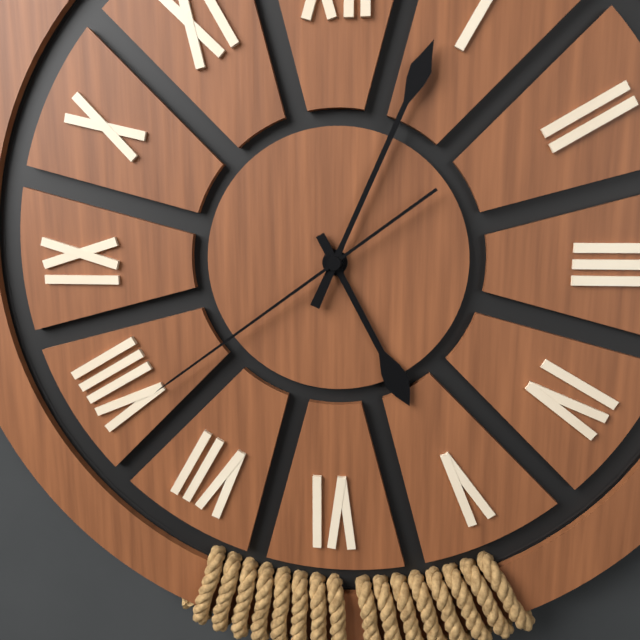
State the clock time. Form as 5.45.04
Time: 5.04.39
